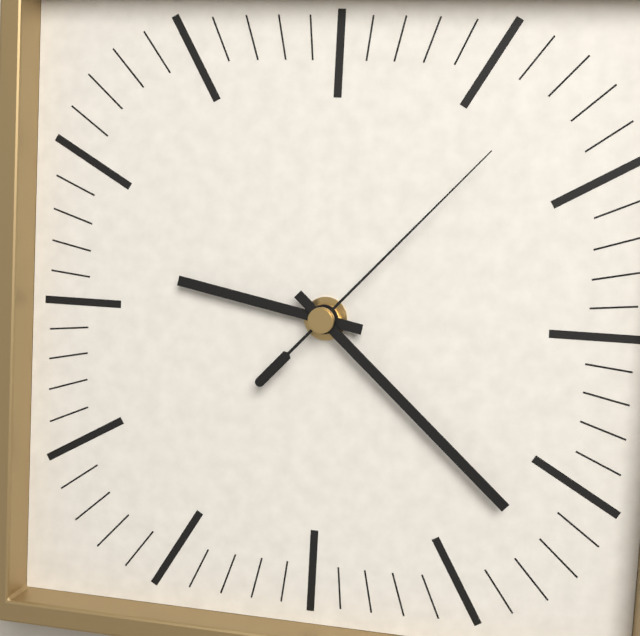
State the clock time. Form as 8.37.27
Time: 9.22.07
